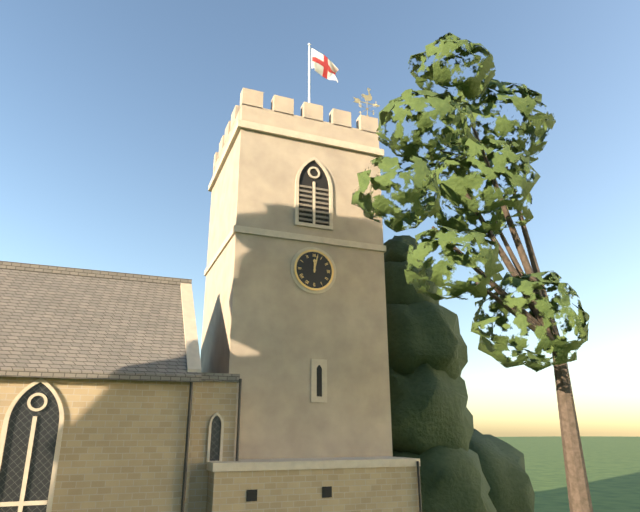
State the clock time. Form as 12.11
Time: 12.02
